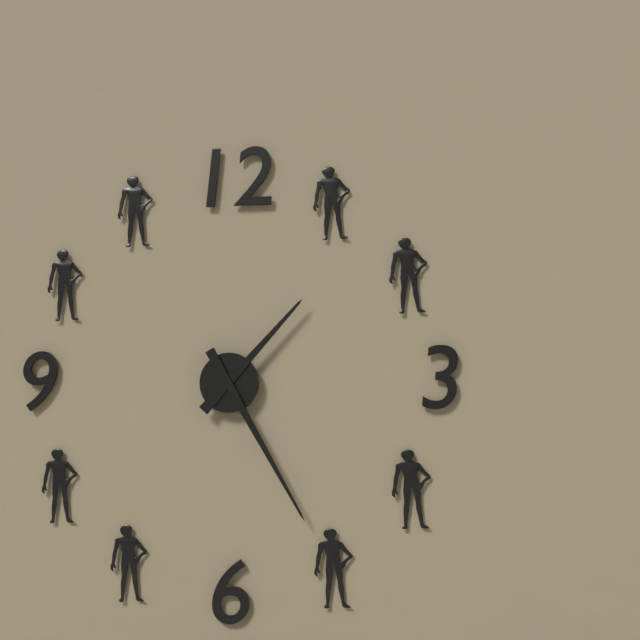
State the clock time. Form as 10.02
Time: 1.25
